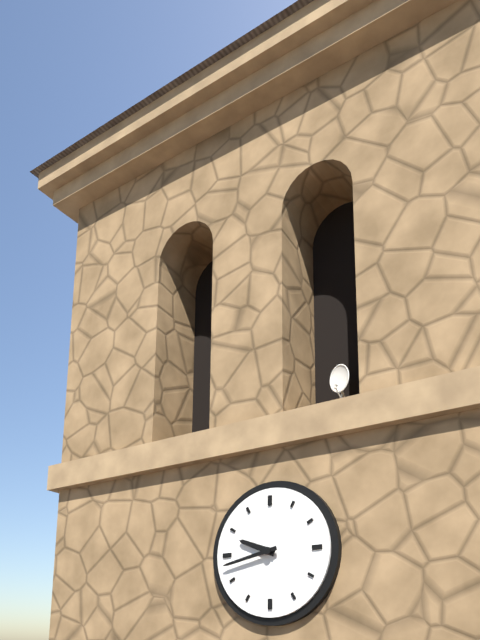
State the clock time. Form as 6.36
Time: 9.43
